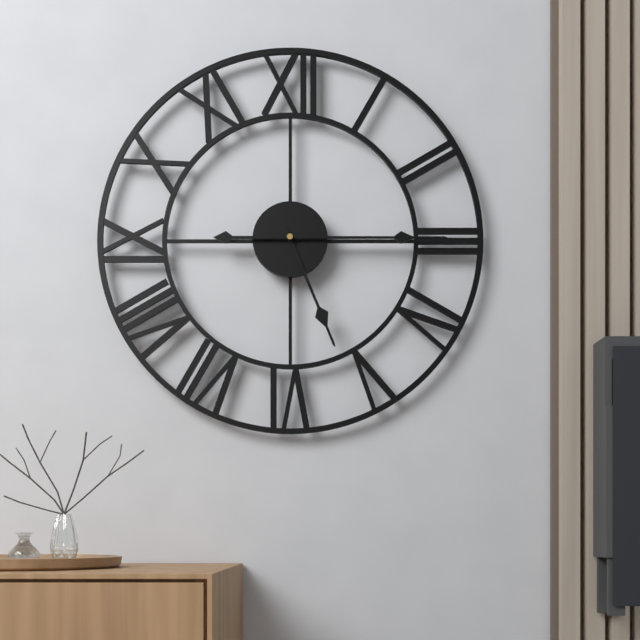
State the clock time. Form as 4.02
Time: 5.15
